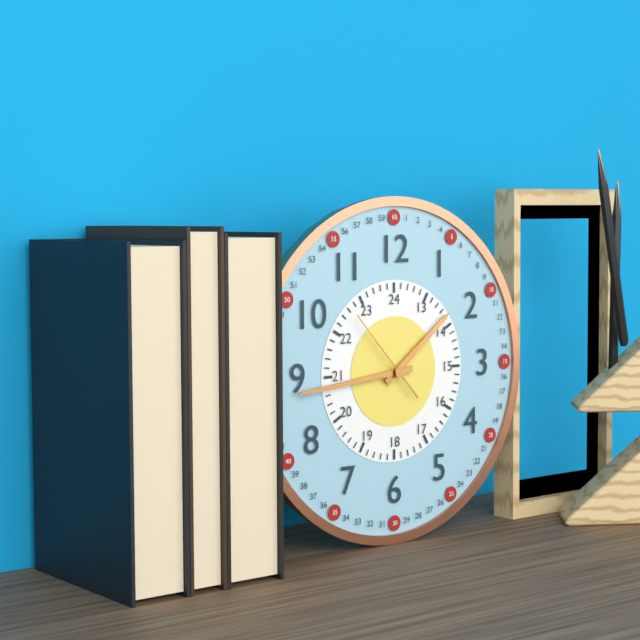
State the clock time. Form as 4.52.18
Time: 1.44.53
